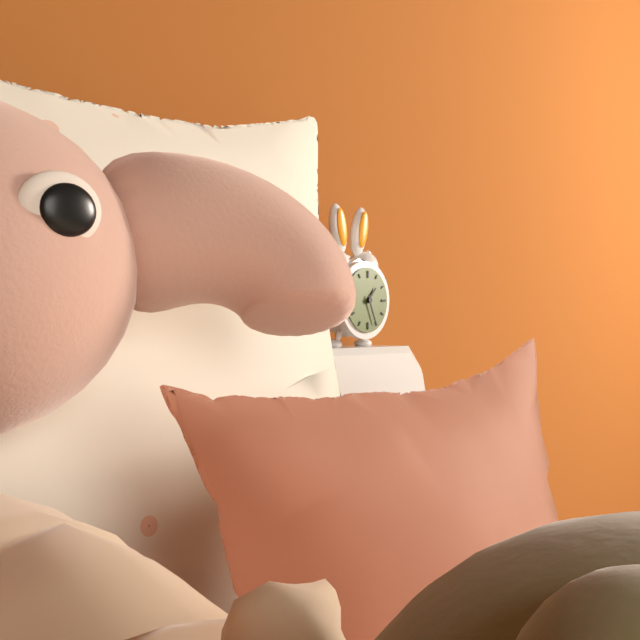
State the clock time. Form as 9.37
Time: 1.26
